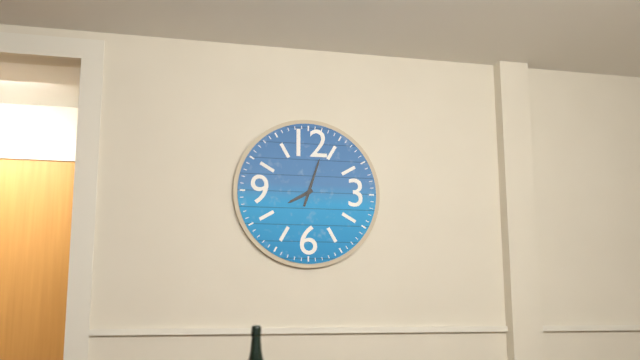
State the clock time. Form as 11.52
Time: 8.03
